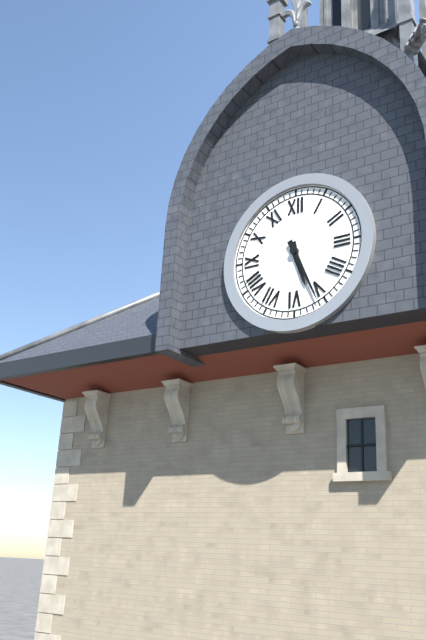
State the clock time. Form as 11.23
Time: 5.26
